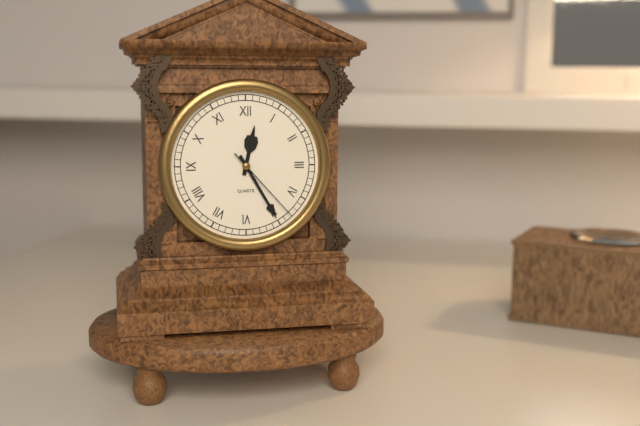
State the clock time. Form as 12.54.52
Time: 12.25.23
